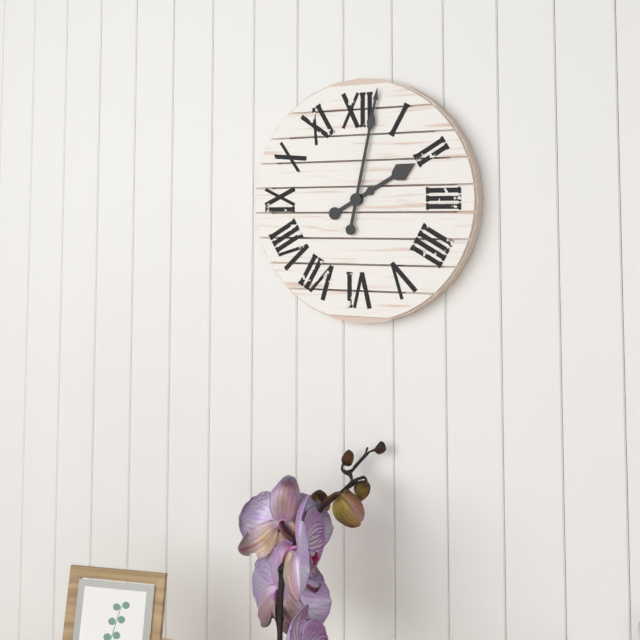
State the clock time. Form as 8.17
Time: 2.02
